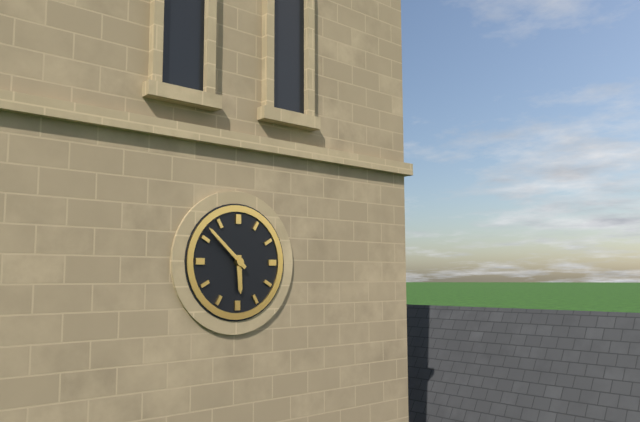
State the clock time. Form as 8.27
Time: 5.52
